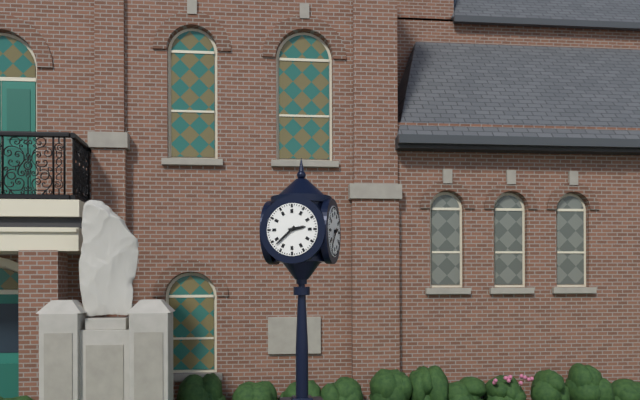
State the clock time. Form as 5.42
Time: 2.38
